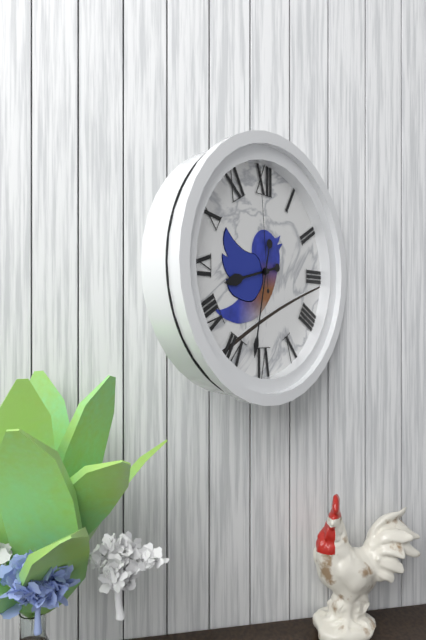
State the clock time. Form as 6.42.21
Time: 8.32.59
